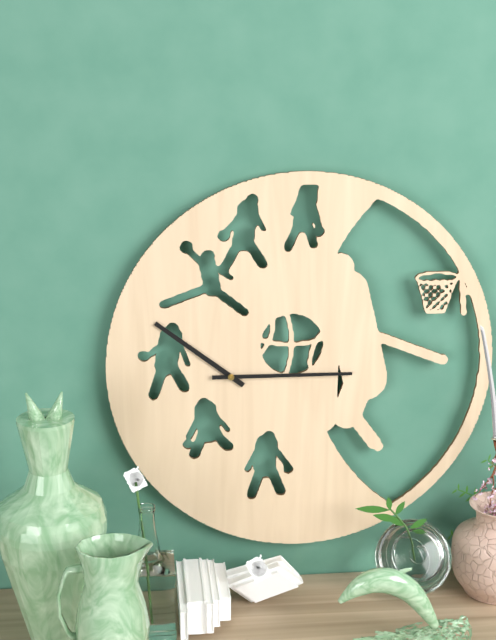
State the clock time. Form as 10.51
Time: 10.15
